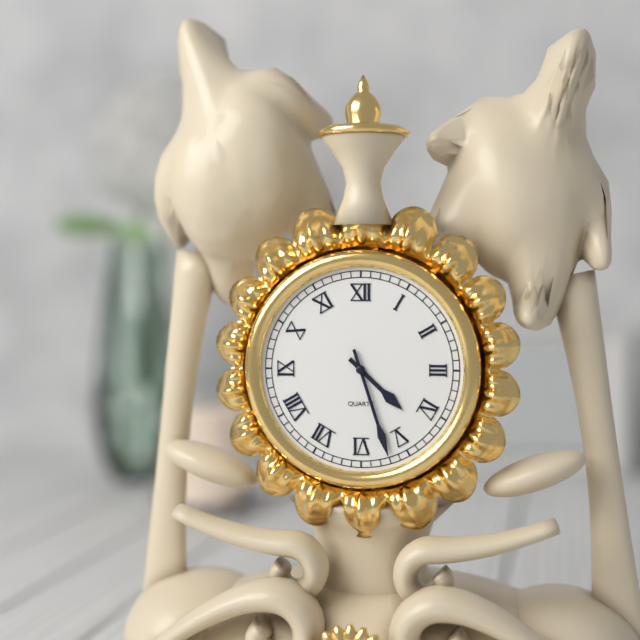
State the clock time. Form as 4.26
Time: 4.27
